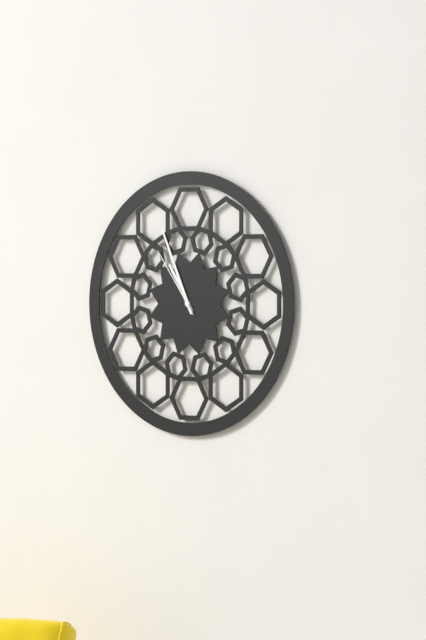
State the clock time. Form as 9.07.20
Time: 10.56.54
